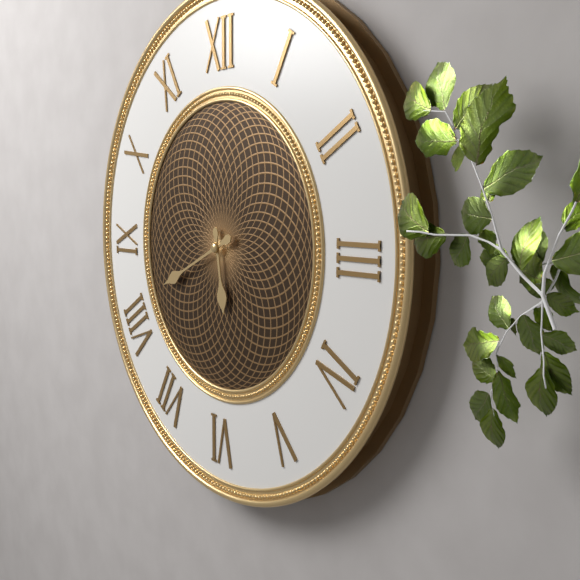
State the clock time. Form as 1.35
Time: 5.41
